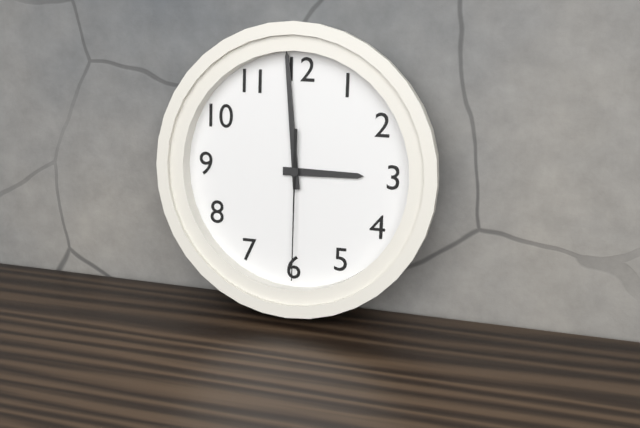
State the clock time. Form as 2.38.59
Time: 2.59.30
